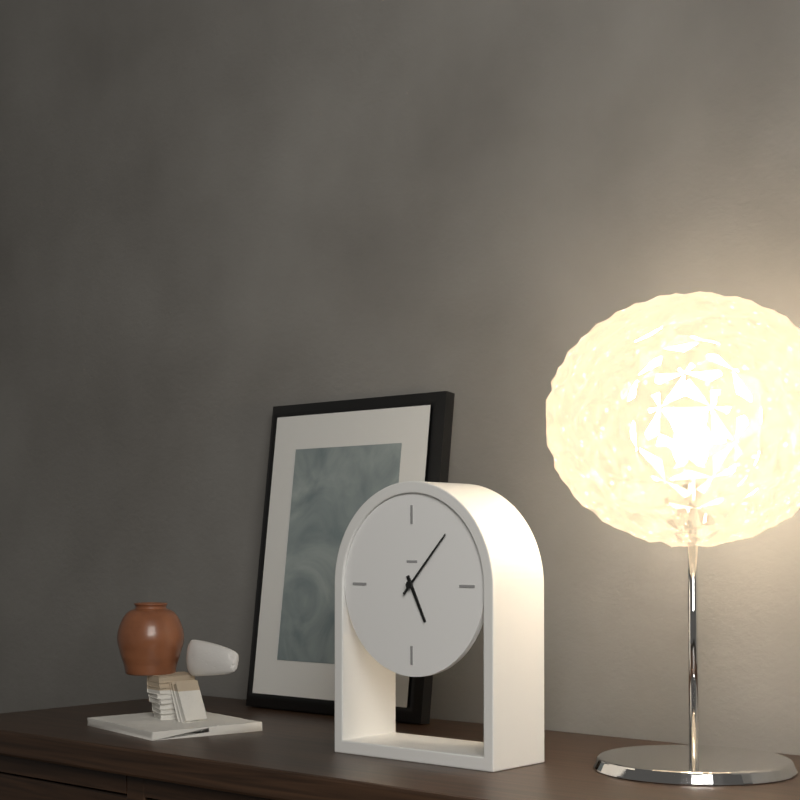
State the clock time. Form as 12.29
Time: 5.07
